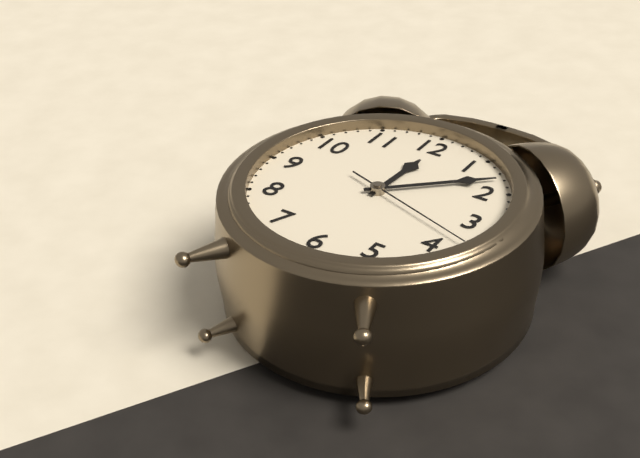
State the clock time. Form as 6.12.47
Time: 12.08.18
